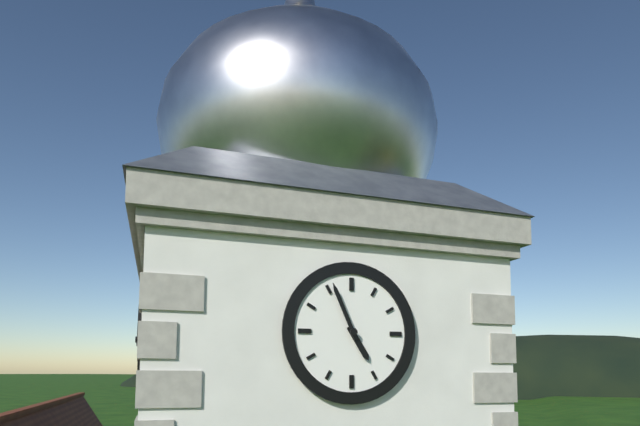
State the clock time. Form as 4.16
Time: 4.56
